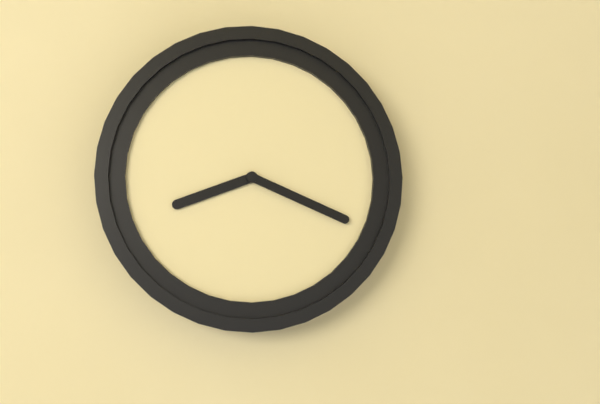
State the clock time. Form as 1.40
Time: 8.19
